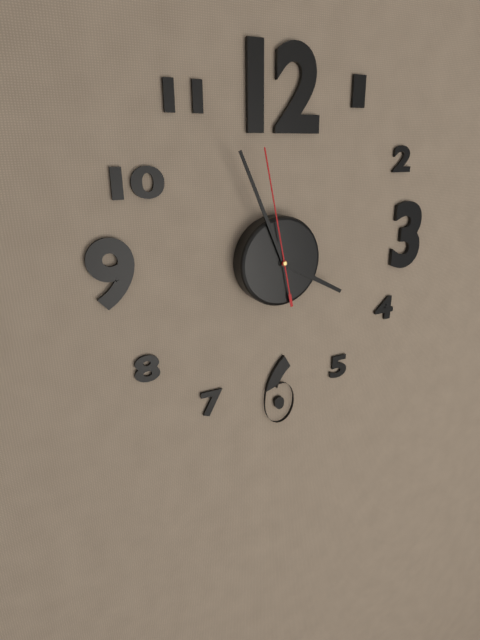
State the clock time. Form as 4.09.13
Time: 3.56.58
